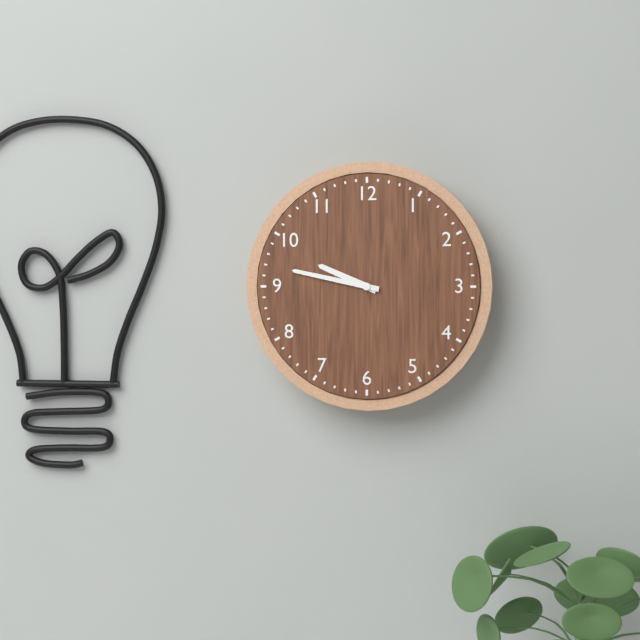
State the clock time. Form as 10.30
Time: 9.47
